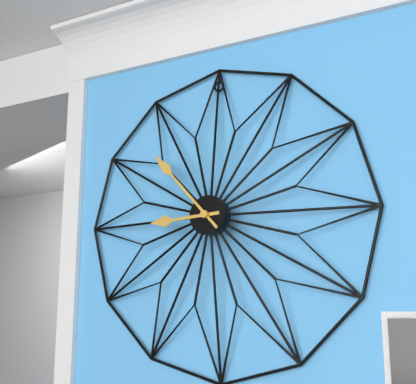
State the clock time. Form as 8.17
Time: 8.53
